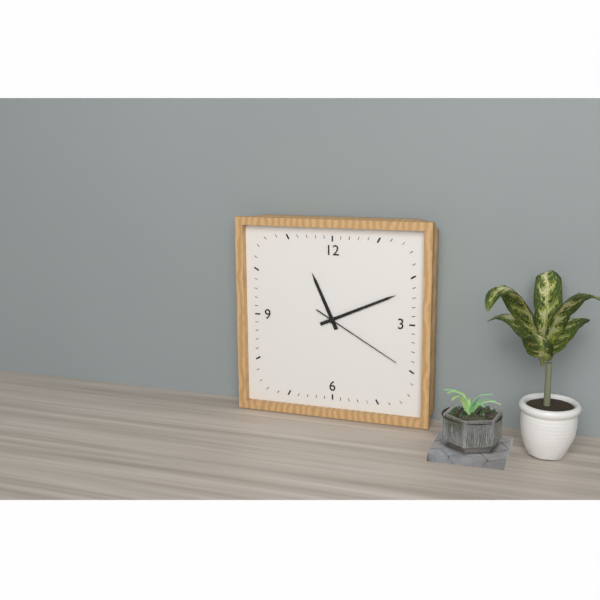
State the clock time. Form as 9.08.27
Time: 11.11.20
